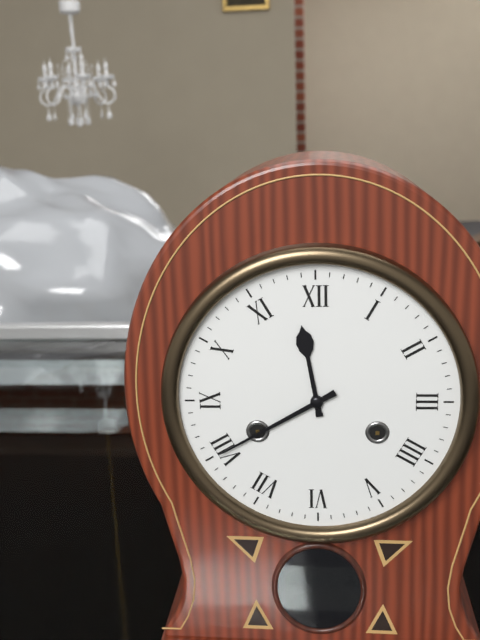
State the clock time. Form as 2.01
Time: 11.40
